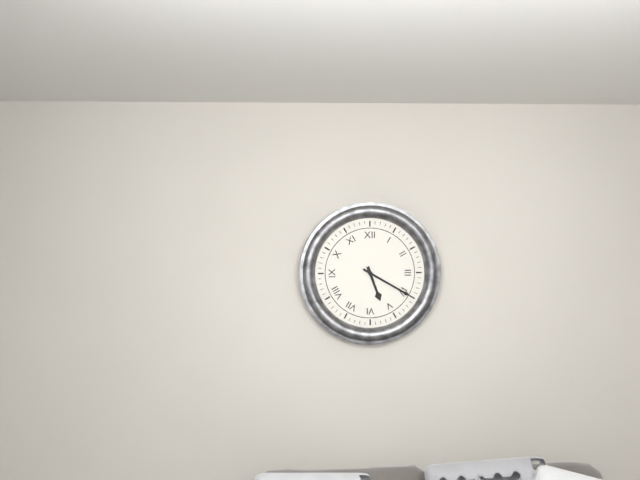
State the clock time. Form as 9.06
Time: 5.20
